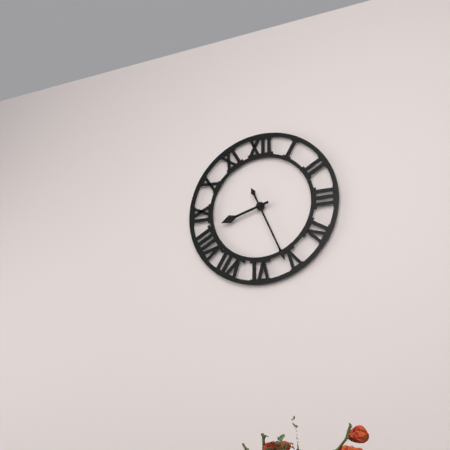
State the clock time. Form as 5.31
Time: 8.26
